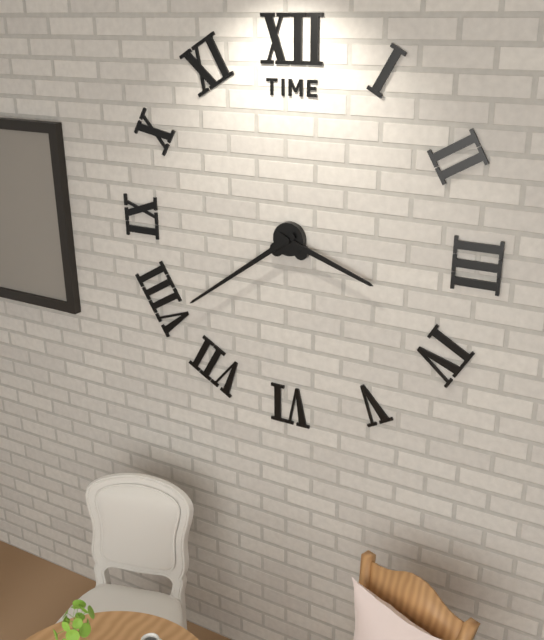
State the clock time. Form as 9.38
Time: 3.39
